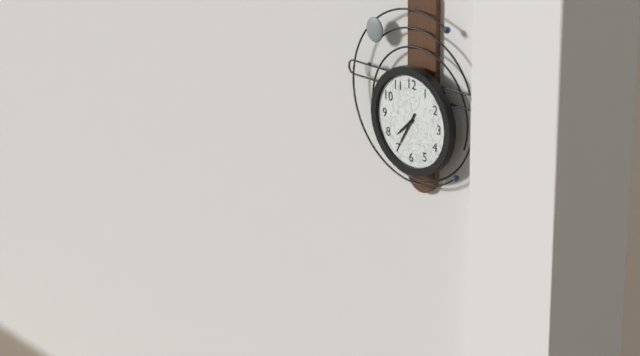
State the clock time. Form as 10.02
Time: 7.35
